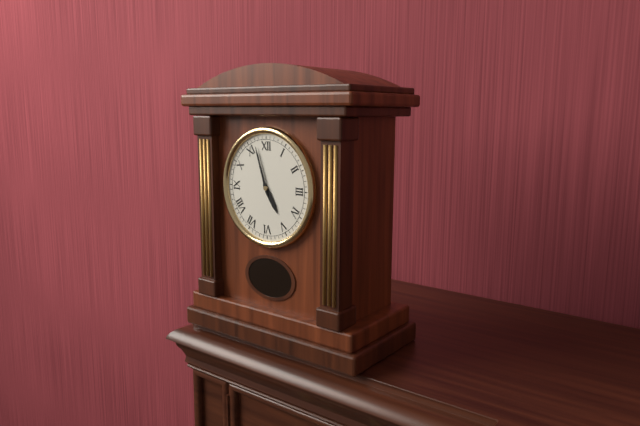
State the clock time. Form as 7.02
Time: 4.57
